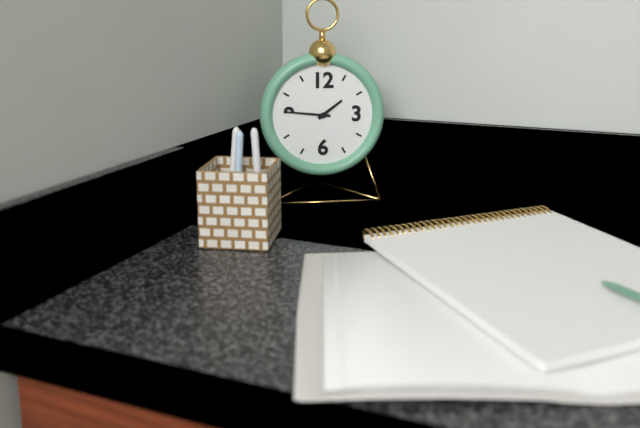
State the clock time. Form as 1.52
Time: 1.46
